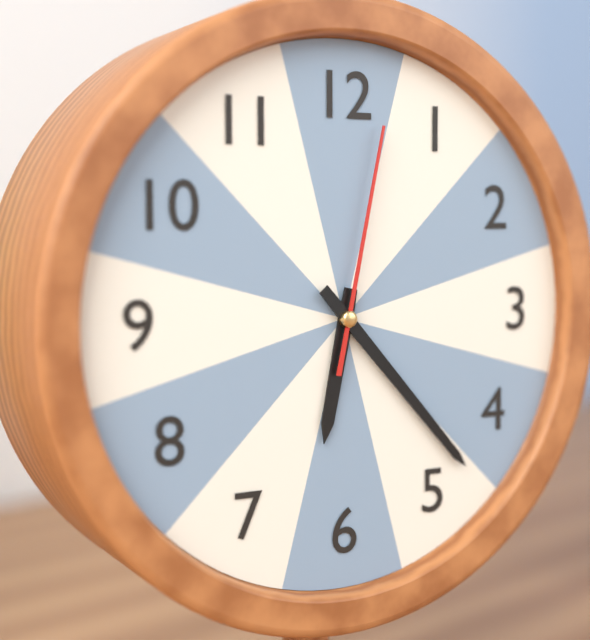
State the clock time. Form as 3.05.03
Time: 6.23.02
